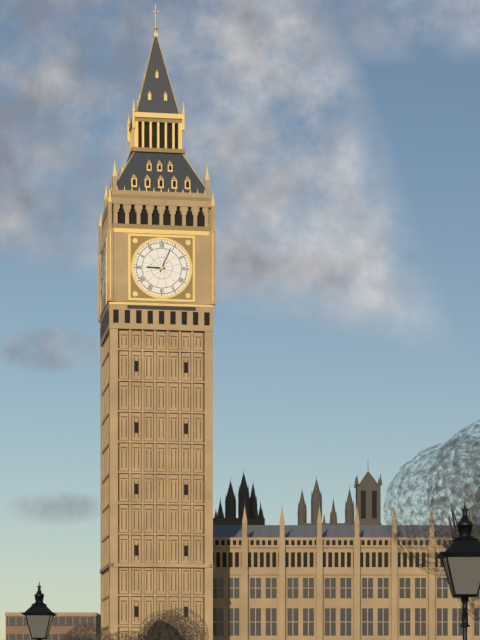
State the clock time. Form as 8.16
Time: 9.04
